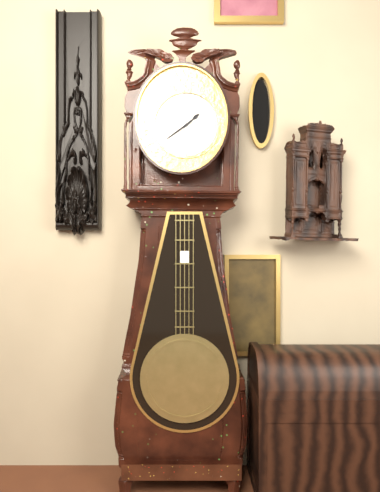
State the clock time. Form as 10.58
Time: 1.39
